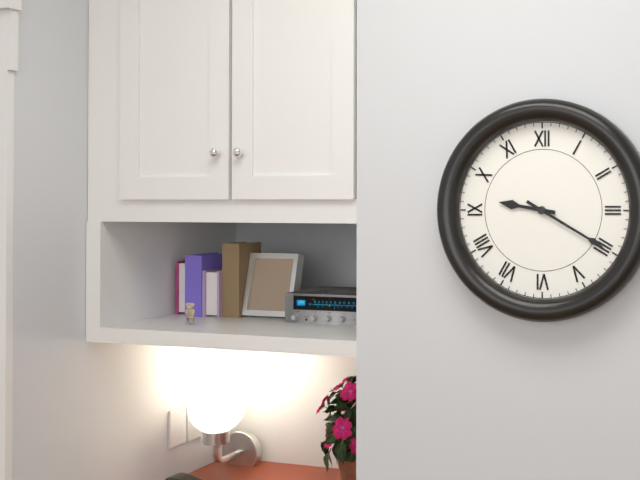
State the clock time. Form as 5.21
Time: 9.20
